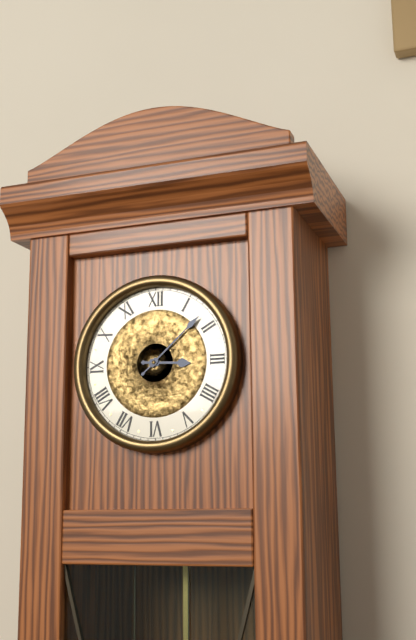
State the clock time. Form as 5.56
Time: 3.08
